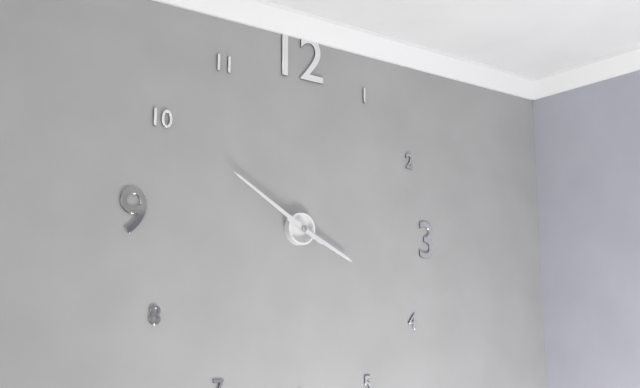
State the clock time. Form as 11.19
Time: 3.50
